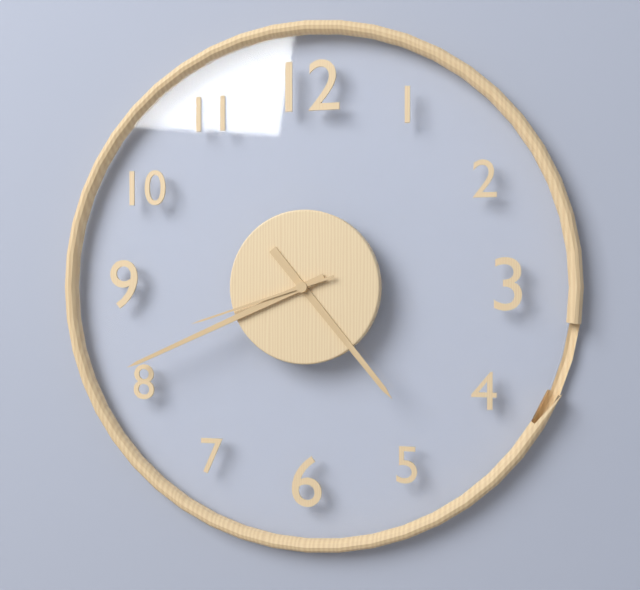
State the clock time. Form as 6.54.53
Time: 4.41.42
